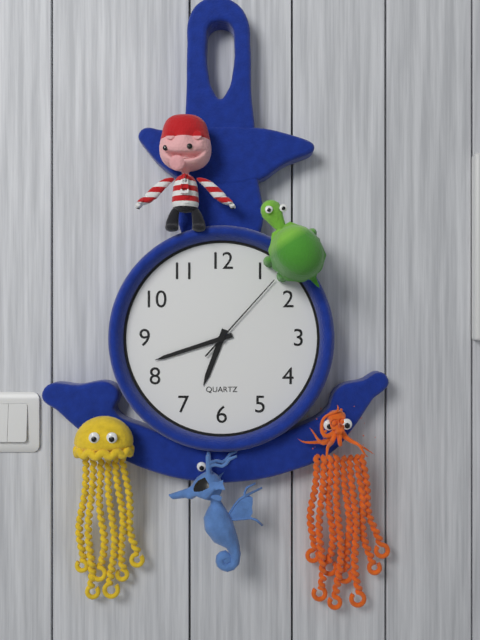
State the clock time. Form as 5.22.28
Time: 6.42.07
